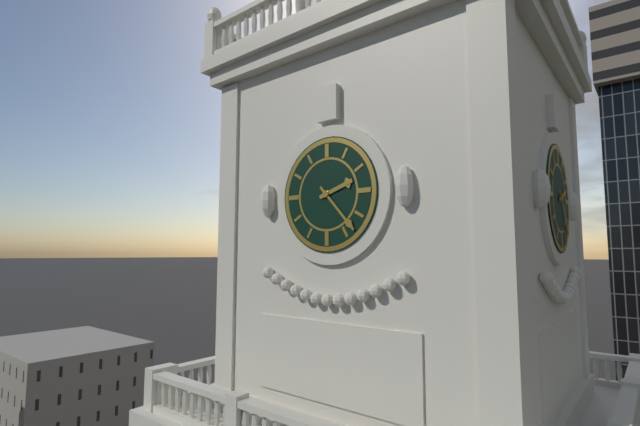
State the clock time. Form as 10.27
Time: 2.23
